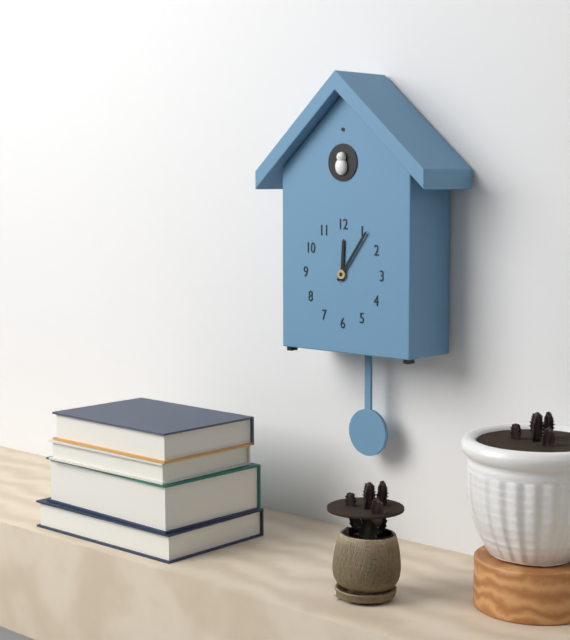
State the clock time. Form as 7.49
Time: 12.06
